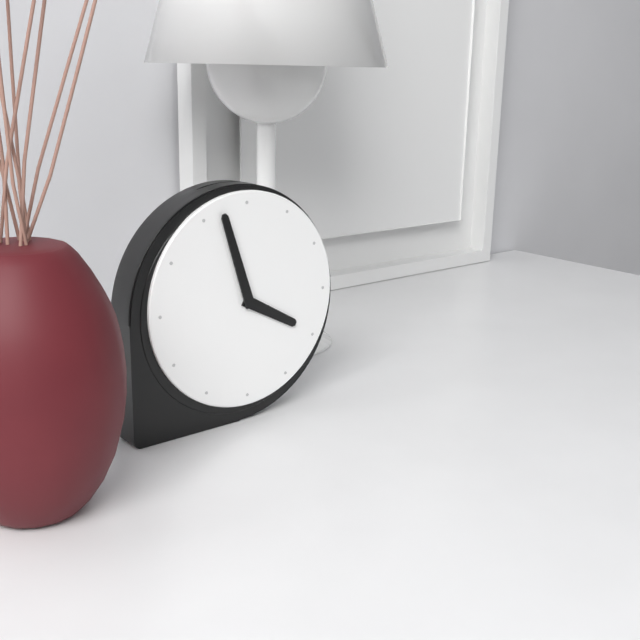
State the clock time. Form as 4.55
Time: 3.57
